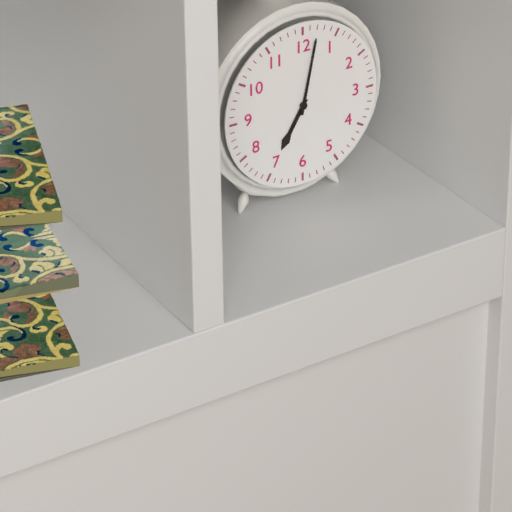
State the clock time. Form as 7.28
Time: 7.02
